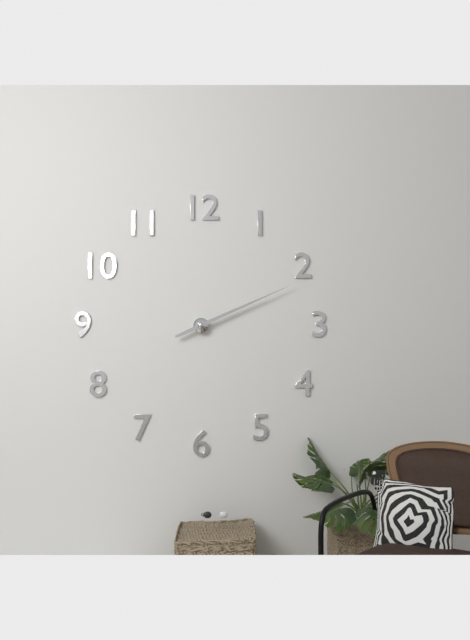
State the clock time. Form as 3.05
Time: 2.11
